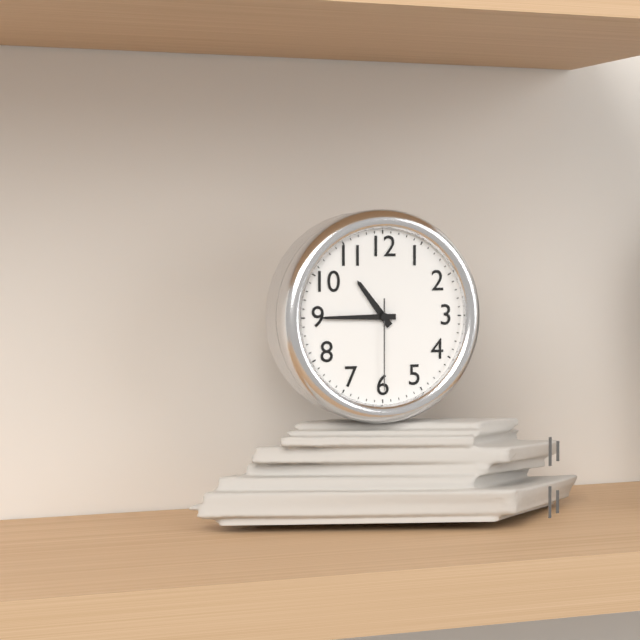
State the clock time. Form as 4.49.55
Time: 10.45.30
